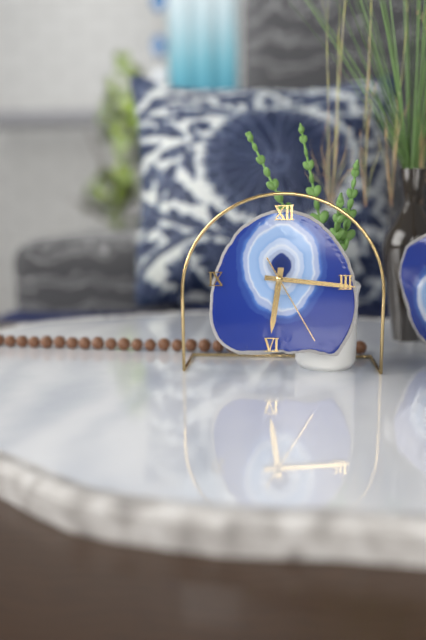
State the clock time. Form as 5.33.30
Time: 6.16.25
